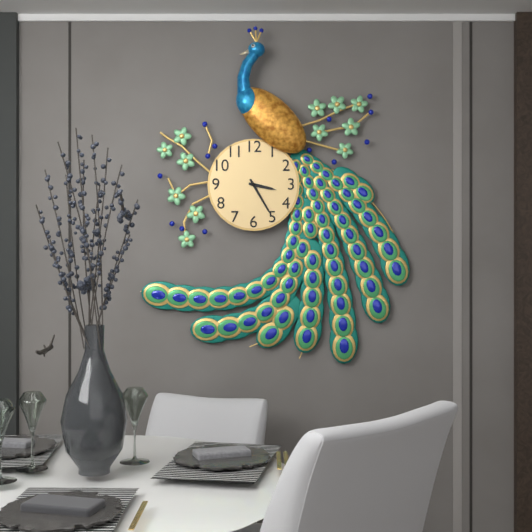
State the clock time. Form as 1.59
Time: 3.25
